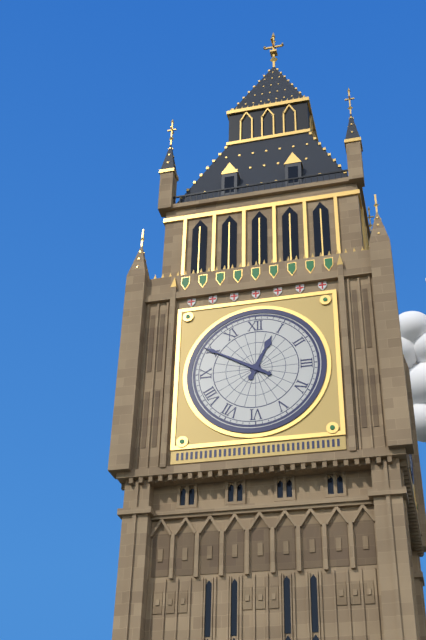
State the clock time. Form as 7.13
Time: 12.50
